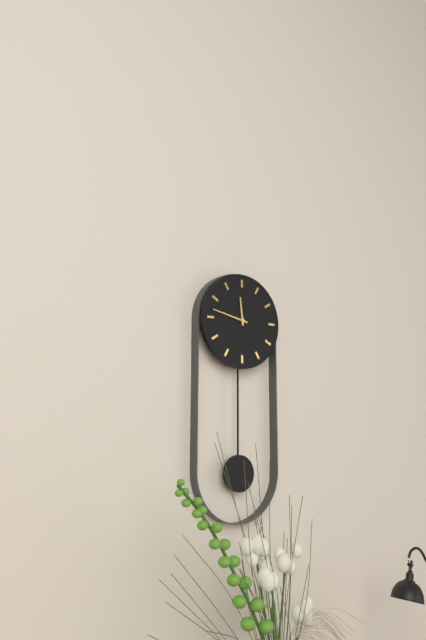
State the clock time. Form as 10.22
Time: 11.47
